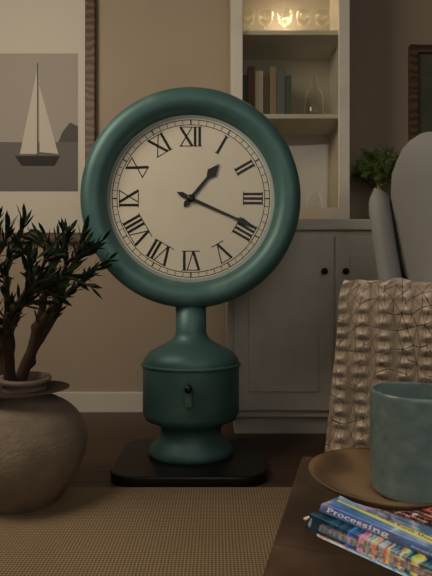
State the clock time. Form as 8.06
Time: 1.19
